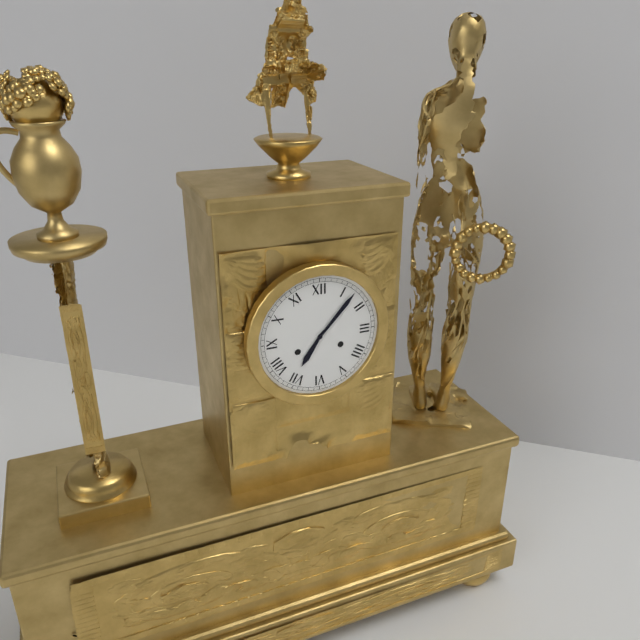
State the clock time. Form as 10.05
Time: 7.07
